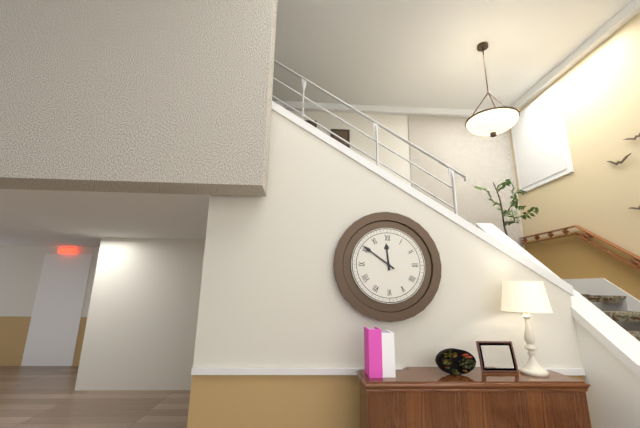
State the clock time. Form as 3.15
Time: 11.51
